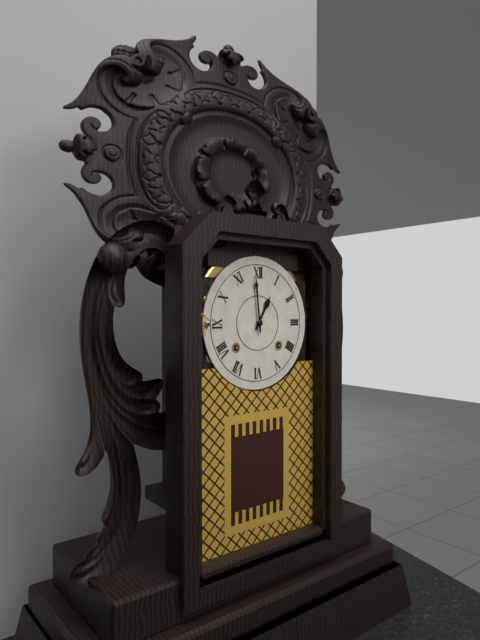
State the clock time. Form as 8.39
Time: 12.59
